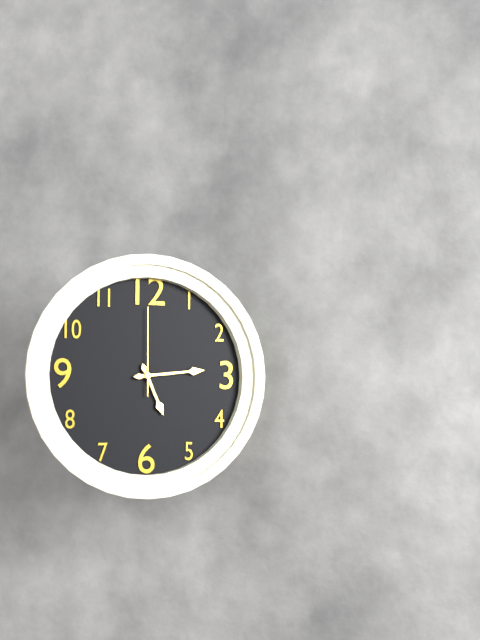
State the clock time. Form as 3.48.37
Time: 5.14.00
